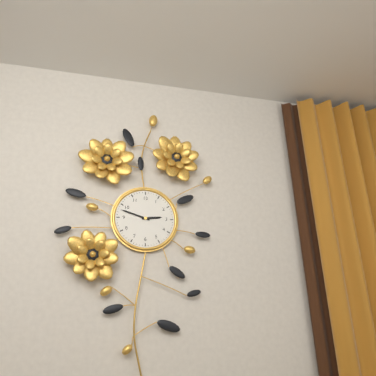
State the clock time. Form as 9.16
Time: 2.48
